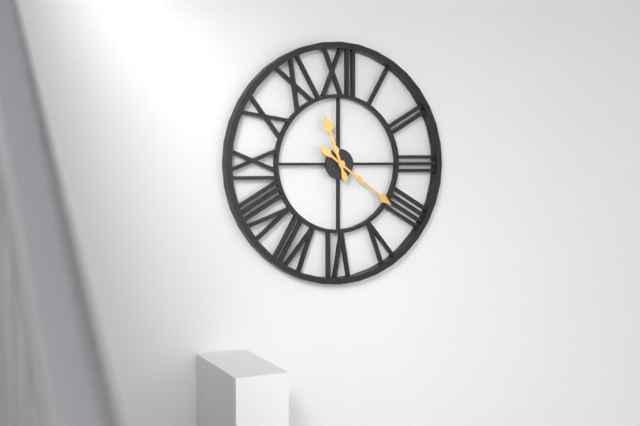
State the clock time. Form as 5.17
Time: 11.21
